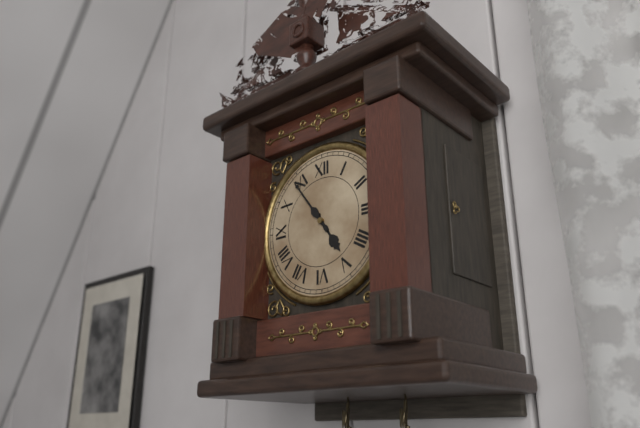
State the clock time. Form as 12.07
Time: 4.54
